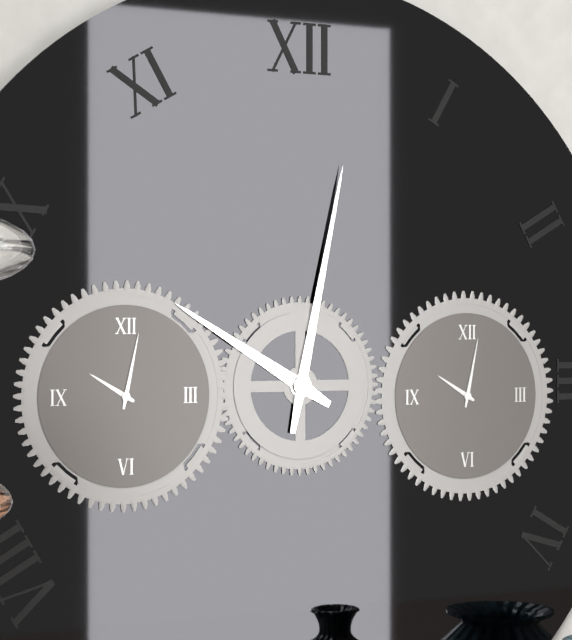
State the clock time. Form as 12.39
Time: 10.02
